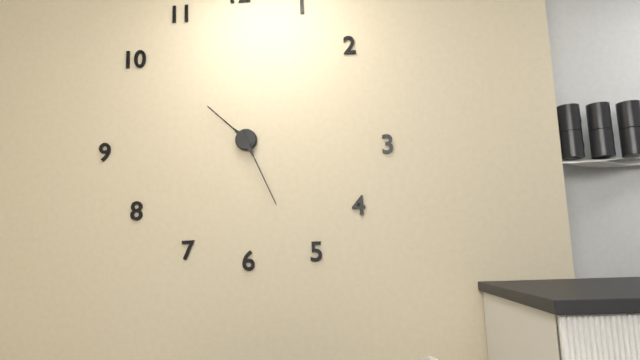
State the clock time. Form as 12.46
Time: 10.26
